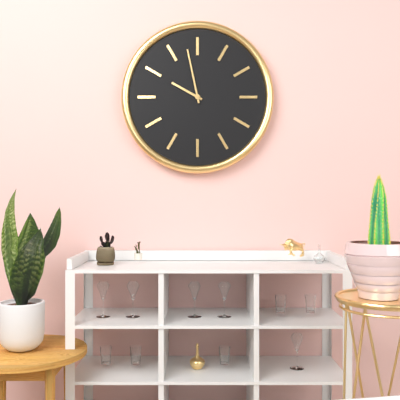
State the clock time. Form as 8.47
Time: 9.58
